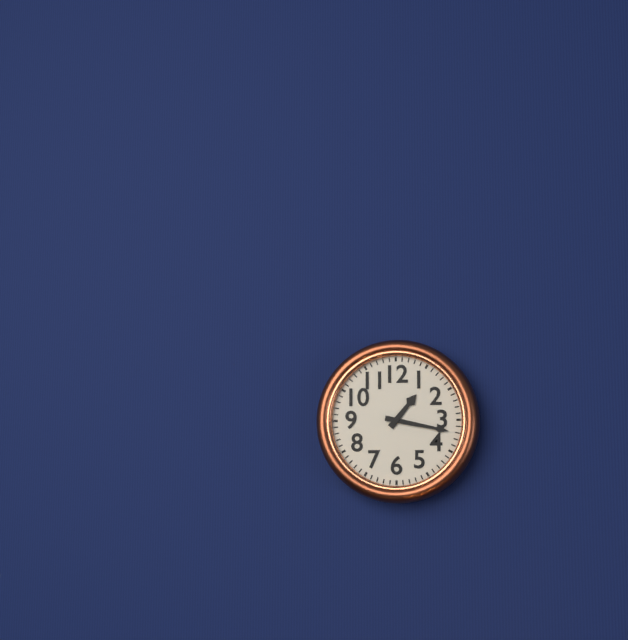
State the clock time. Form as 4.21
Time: 1.17
